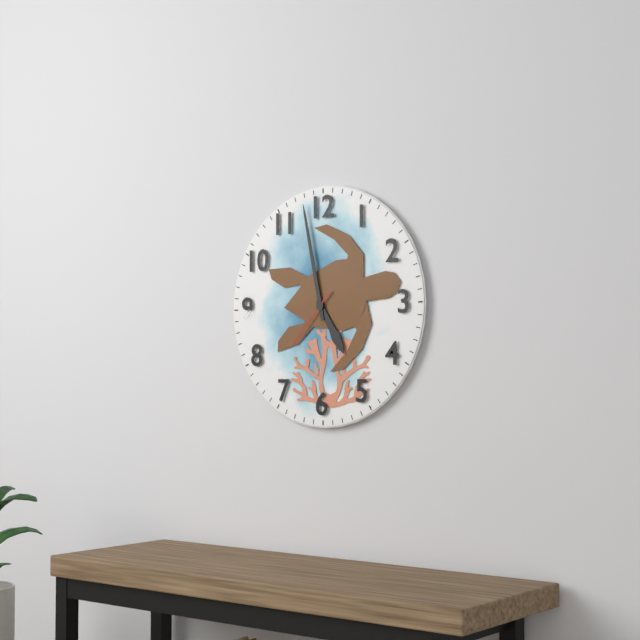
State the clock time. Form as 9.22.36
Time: 4.58.37
